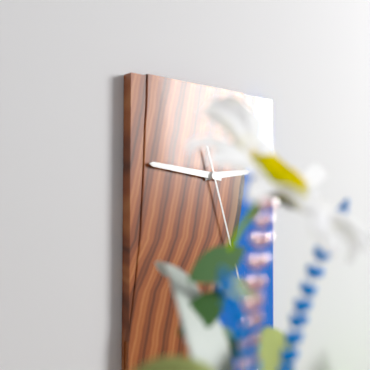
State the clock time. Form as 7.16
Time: 2.46
